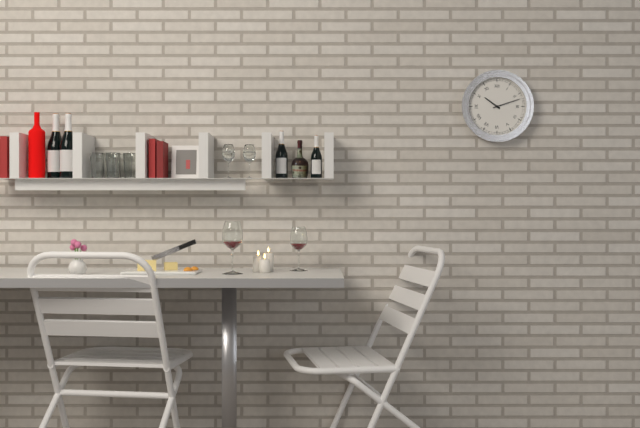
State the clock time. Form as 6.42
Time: 10.12
